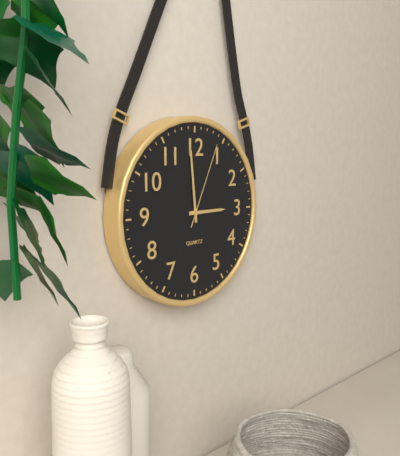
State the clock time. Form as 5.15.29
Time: 2.59.04
